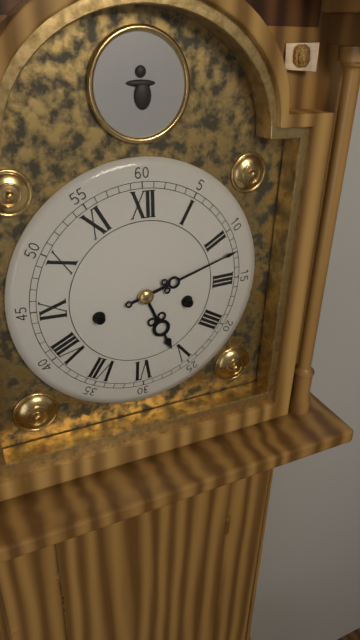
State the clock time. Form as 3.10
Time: 5.12
